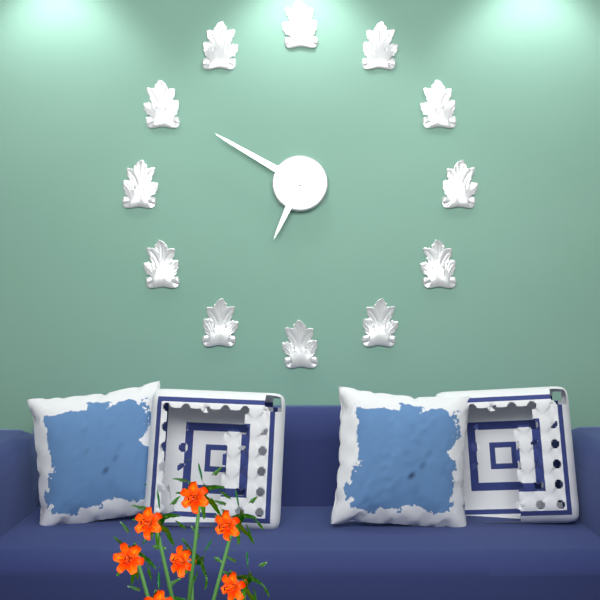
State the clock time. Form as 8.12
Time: 6.50
